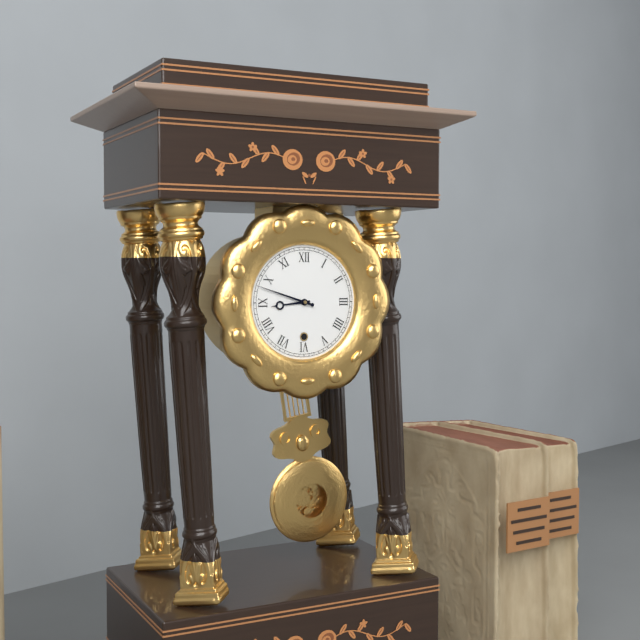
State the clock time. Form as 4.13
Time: 8.48
